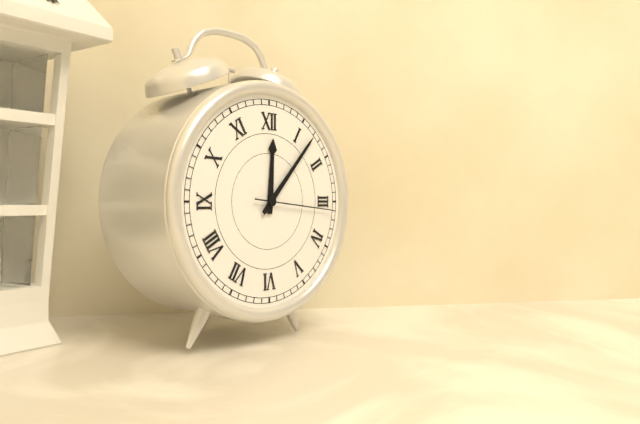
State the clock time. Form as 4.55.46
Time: 12.07.16
